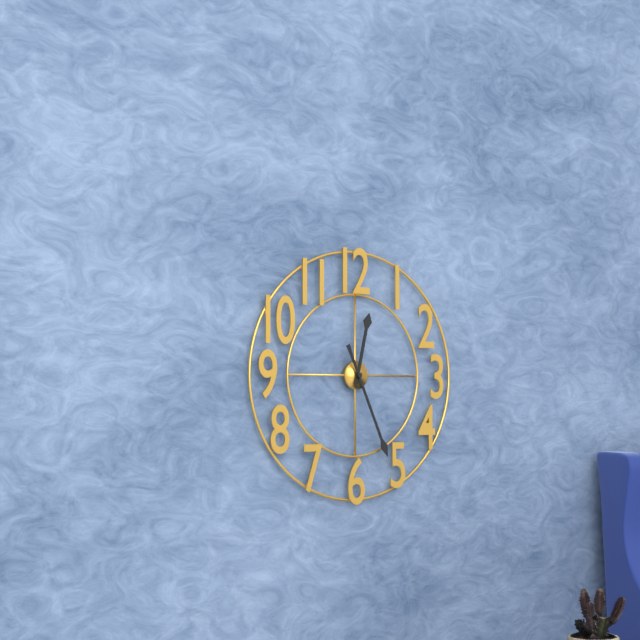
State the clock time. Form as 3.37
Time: 12.26
